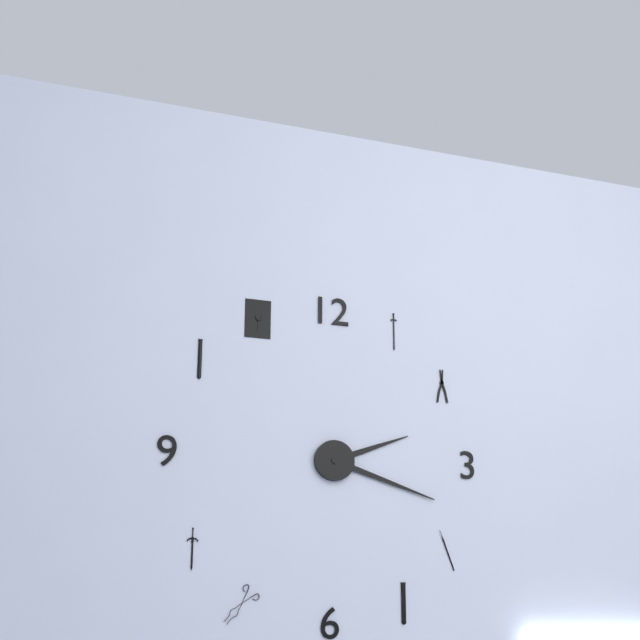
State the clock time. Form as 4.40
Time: 2.18
